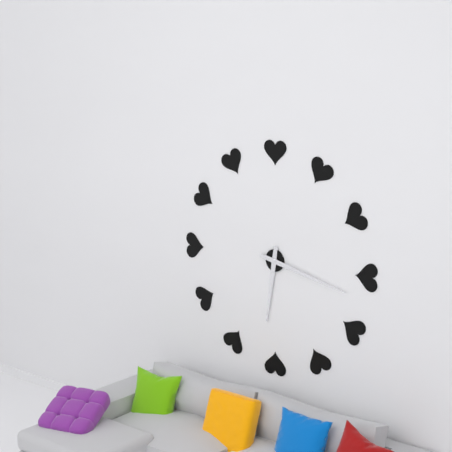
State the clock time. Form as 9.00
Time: 6.17
